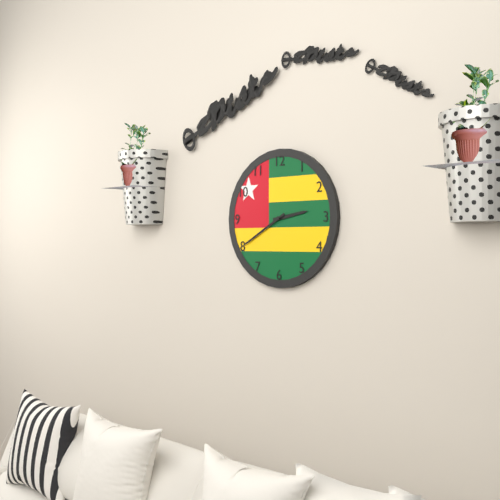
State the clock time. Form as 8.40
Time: 2.40
